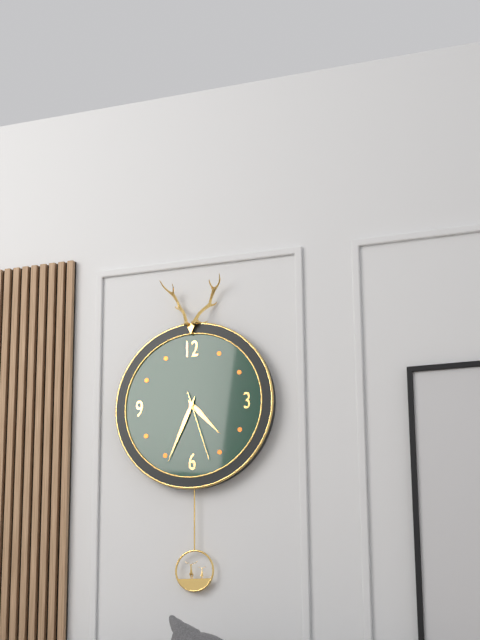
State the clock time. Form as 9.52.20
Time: 4.34.27
